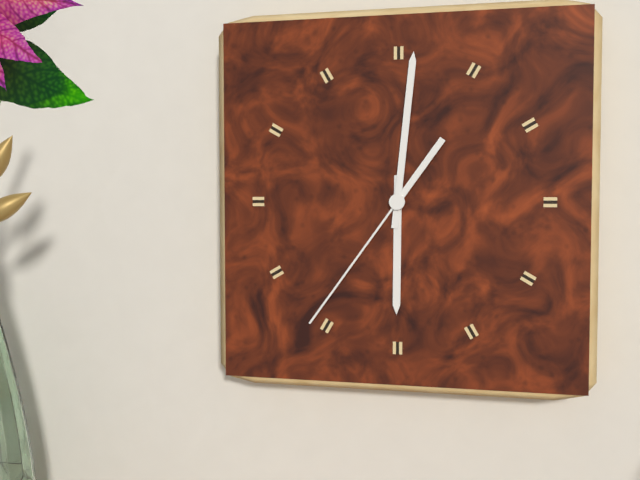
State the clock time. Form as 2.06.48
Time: 6.01.36
